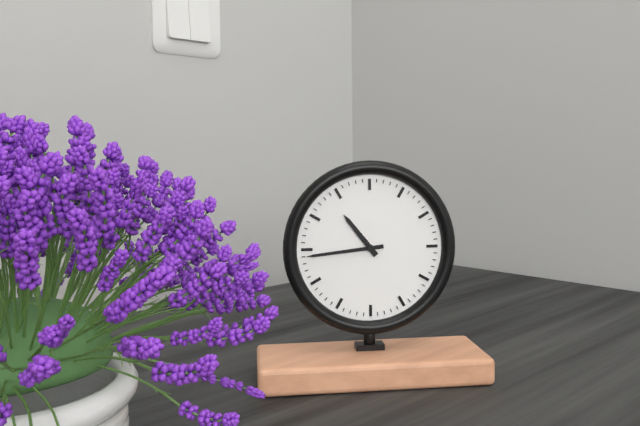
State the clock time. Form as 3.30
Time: 10.44
